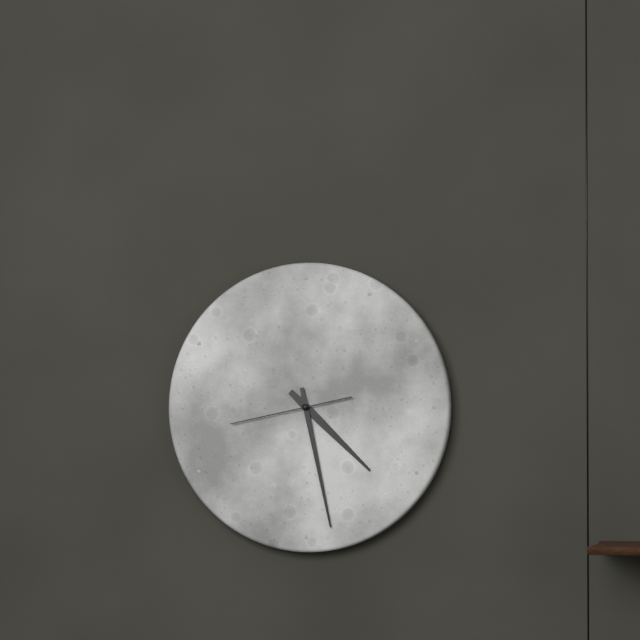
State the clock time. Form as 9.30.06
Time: 4.28.43
